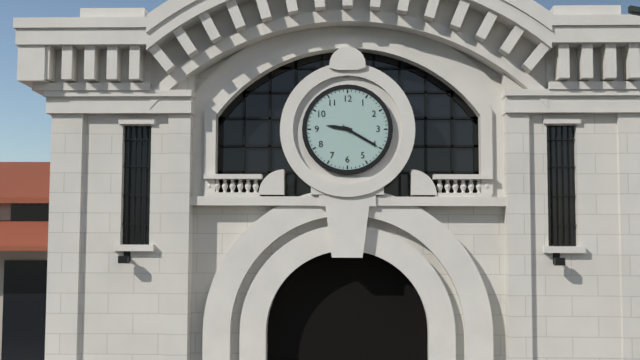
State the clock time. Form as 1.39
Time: 9.20
